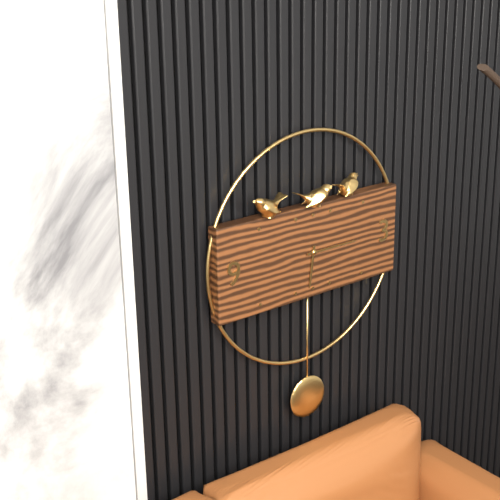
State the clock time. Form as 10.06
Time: 6.15
